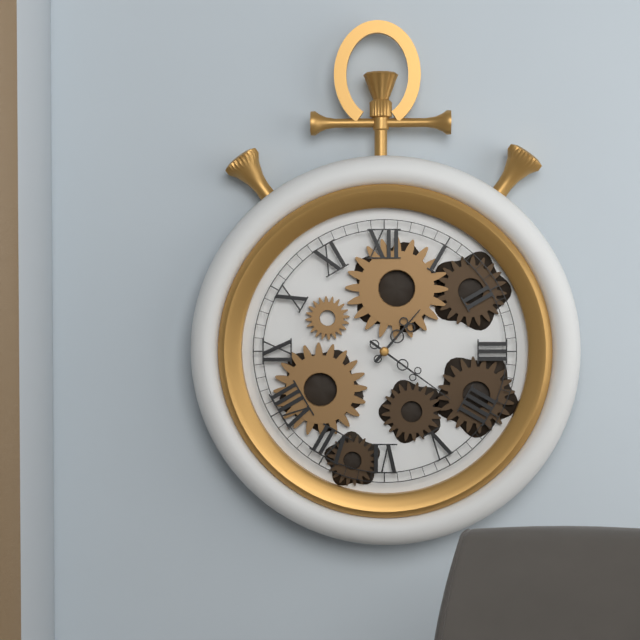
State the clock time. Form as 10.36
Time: 1.21
